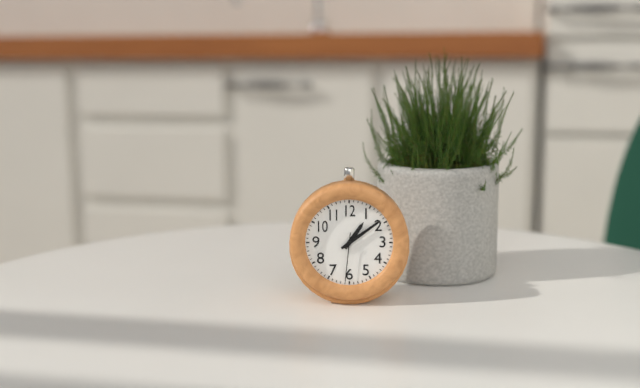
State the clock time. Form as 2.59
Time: 1.09
